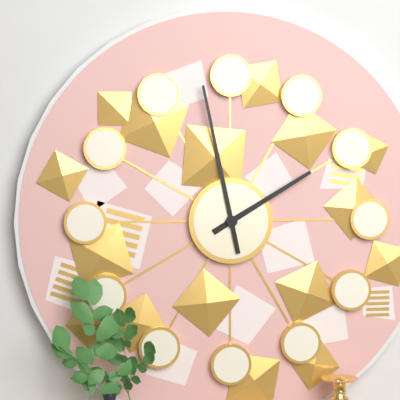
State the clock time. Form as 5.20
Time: 1.58
